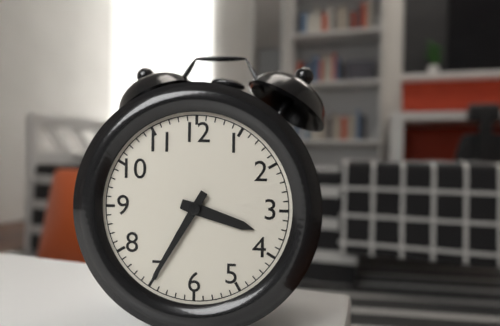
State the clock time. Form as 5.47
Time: 3.35
